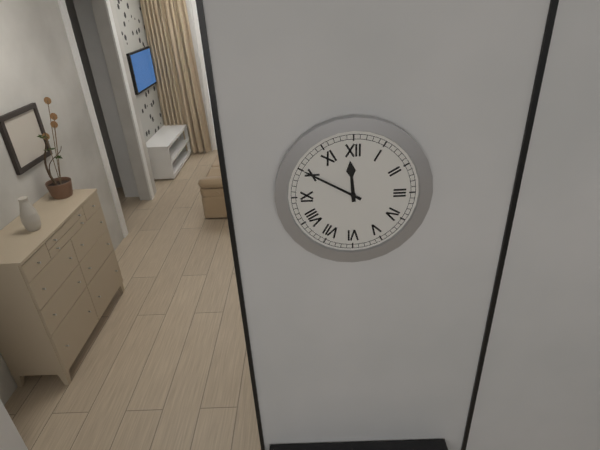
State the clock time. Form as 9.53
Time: 11.50
